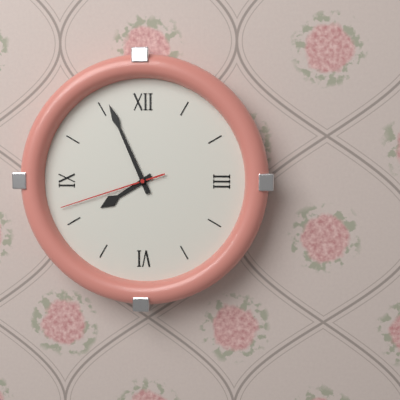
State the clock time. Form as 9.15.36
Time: 7.56.42
